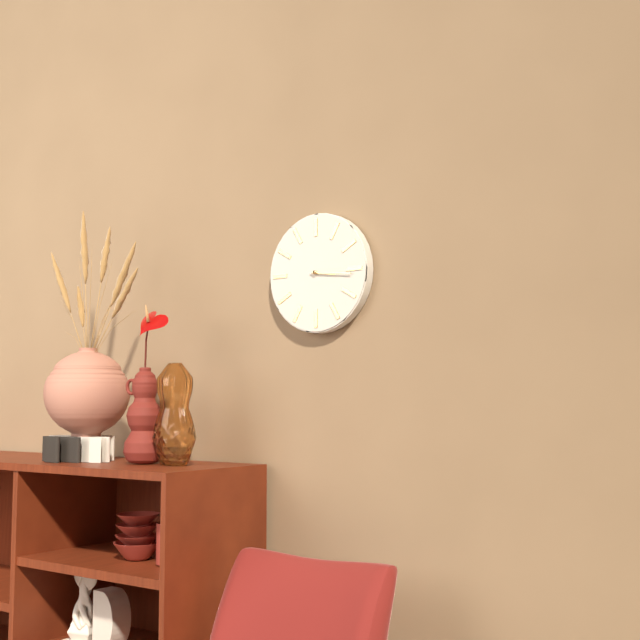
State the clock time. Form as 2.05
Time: 3.16
